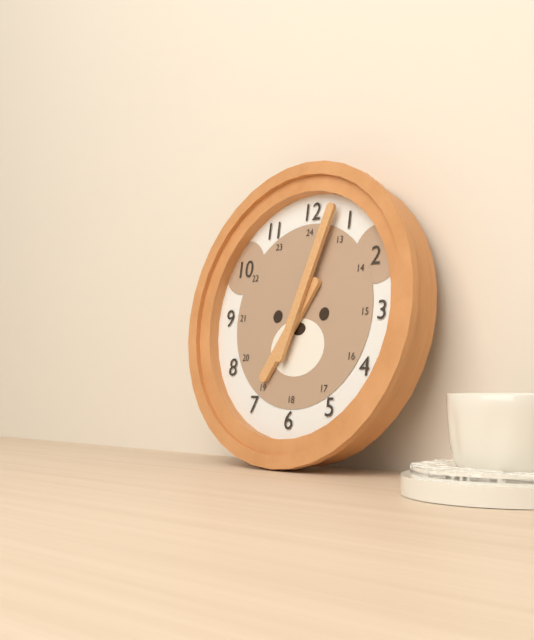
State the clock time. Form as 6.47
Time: 7.03
